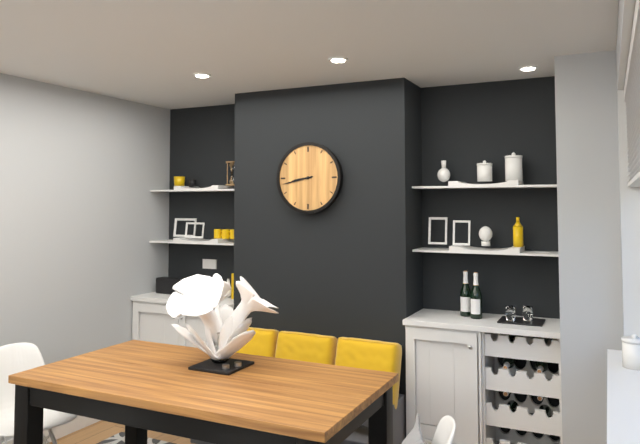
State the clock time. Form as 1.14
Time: 8.43
